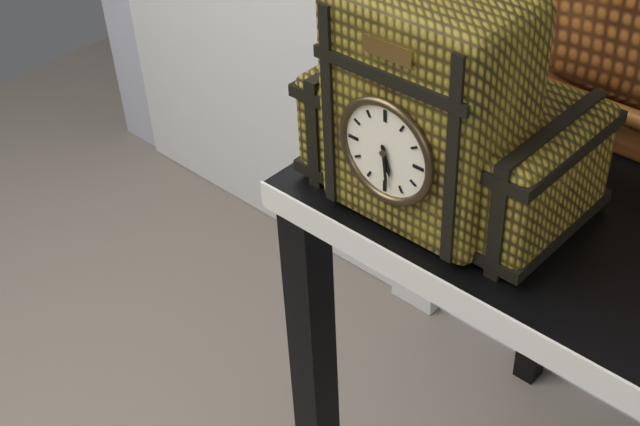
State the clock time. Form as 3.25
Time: 5.29
